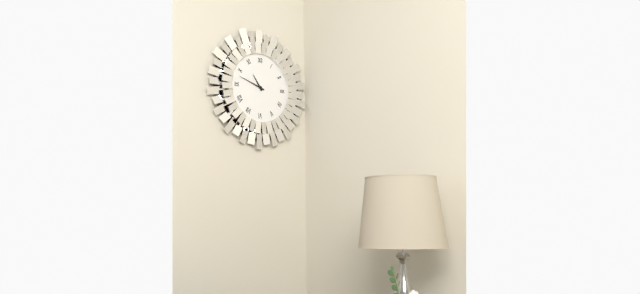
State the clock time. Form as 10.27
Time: 10.48
